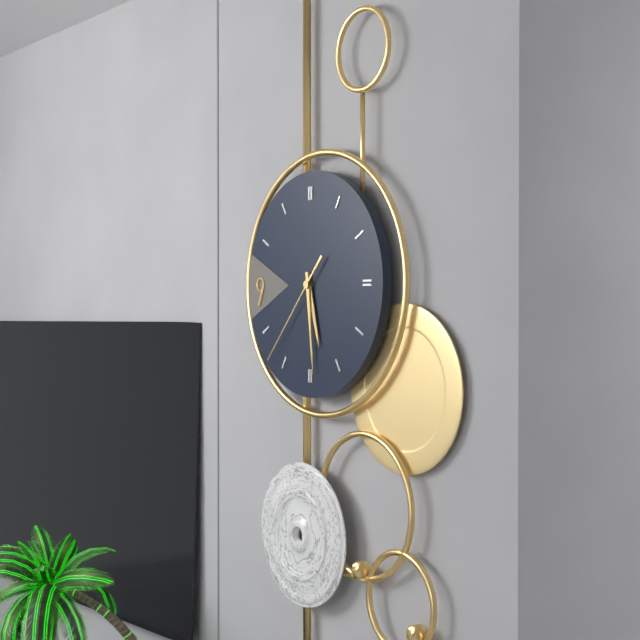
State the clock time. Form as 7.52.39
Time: 5.29.37
